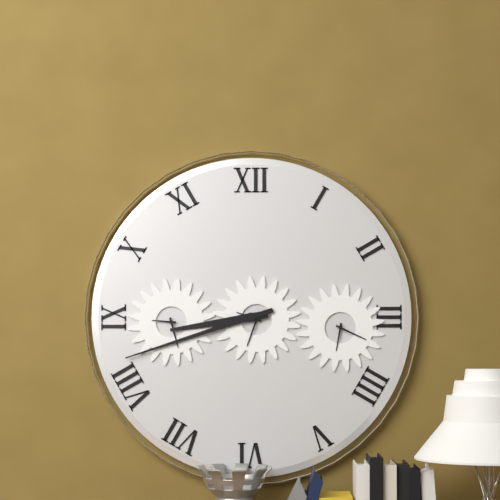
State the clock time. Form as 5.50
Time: 8.42
